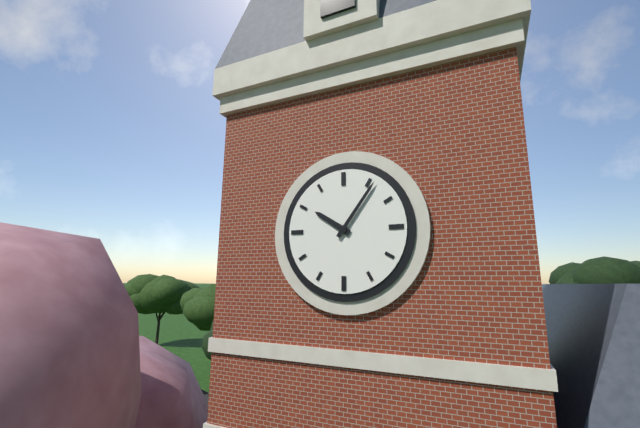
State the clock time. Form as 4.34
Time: 10.06
